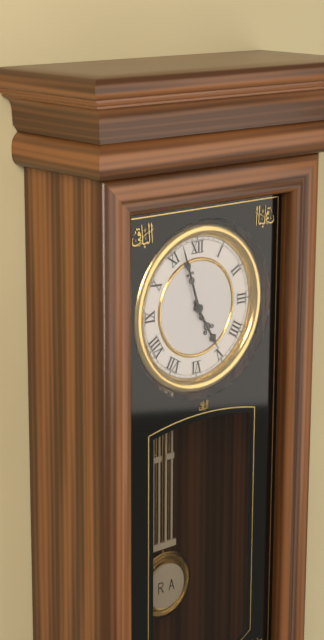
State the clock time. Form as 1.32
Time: 4.57
